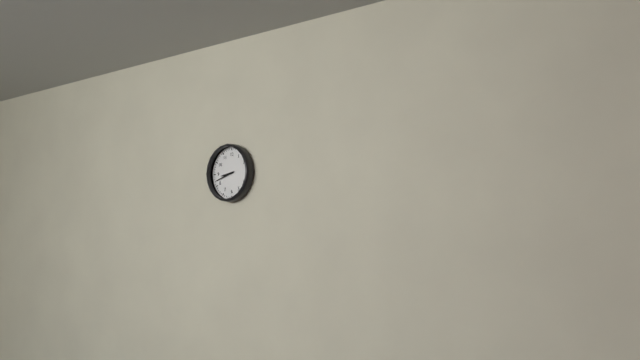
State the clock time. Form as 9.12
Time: 8.42
